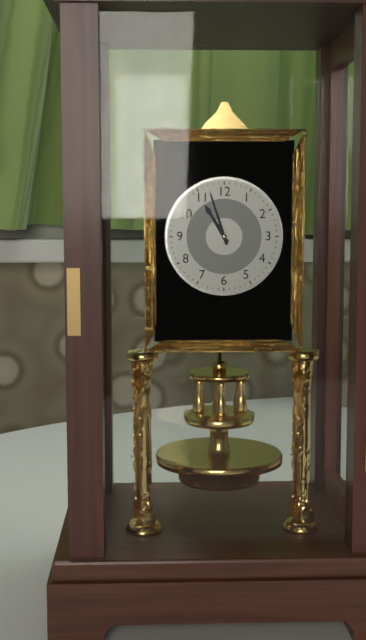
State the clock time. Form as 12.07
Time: 10.57
